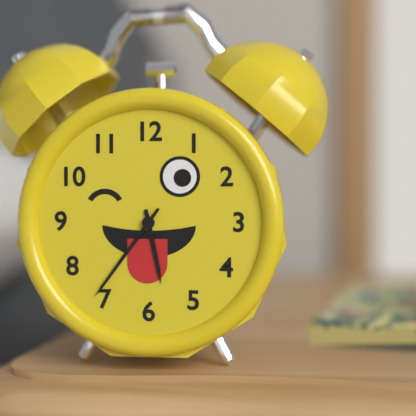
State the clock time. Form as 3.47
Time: 5.36
